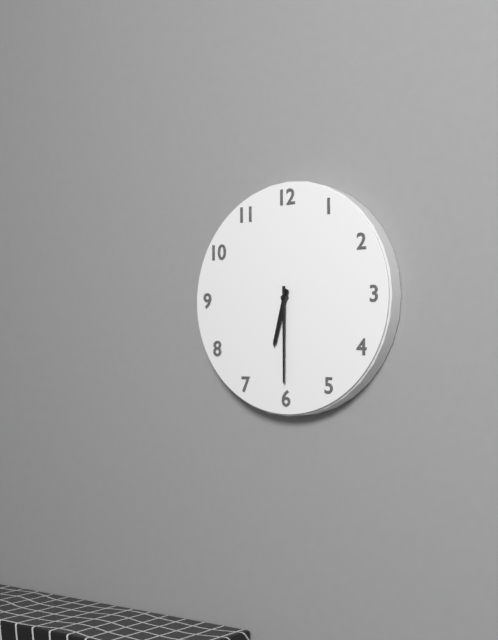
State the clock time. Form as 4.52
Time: 6.30
